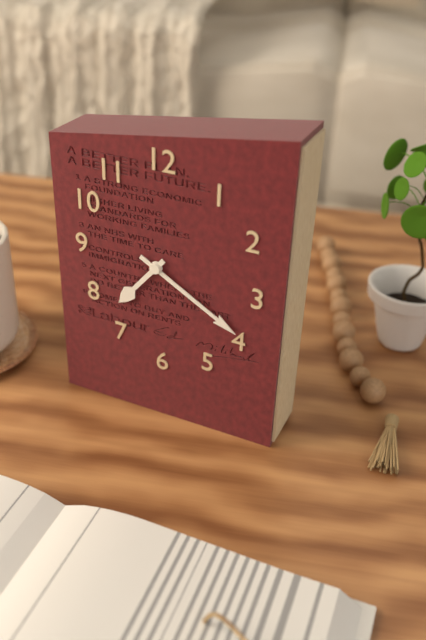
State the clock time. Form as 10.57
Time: 7.20
